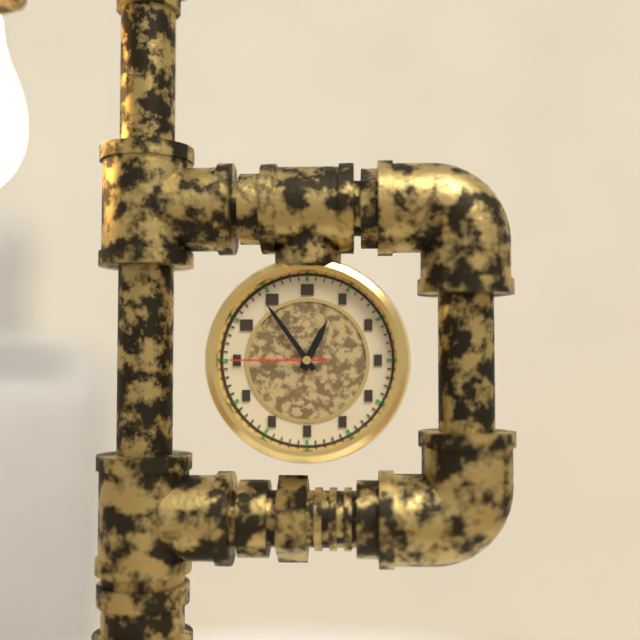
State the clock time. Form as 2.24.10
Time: 12.54.45
